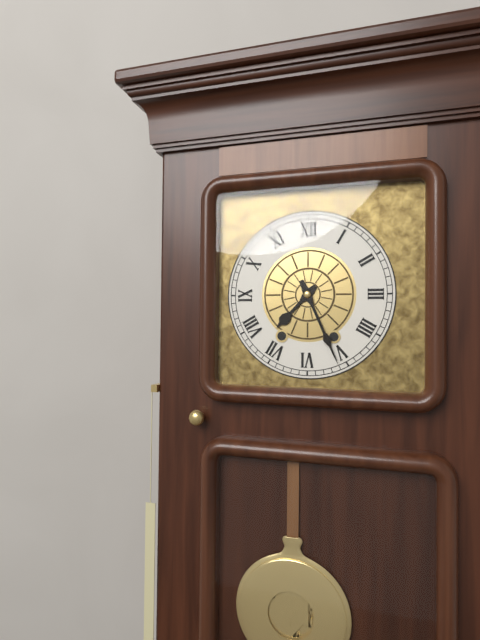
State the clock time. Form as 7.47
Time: 7.26
